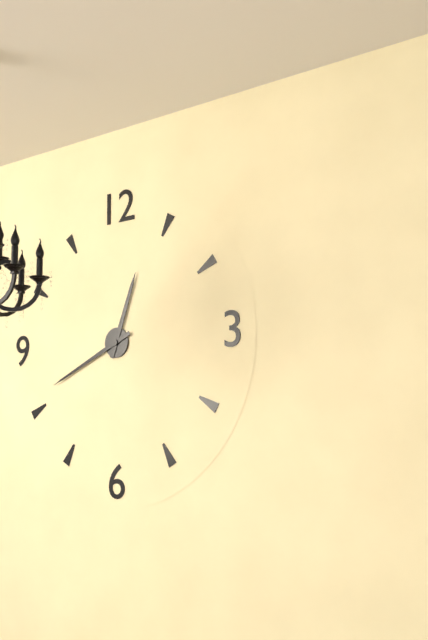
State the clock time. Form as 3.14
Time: 12.41
